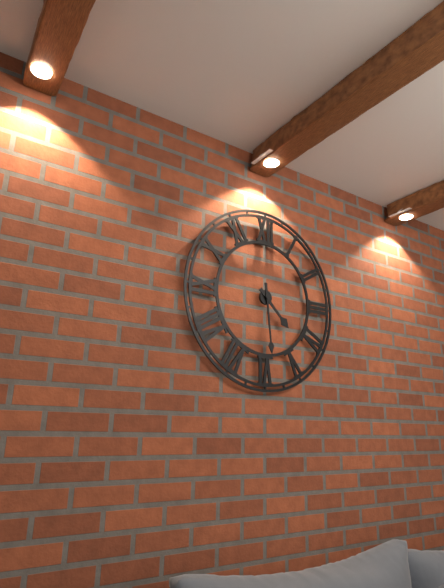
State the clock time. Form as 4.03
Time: 4.29
